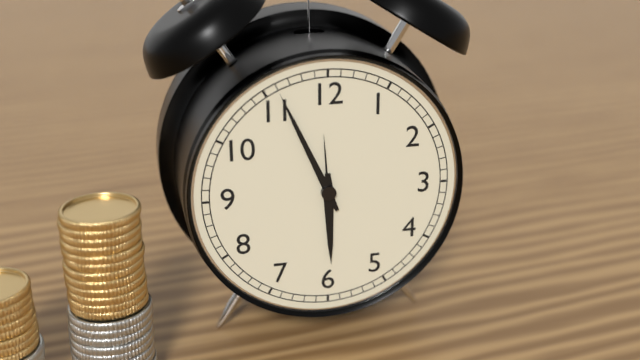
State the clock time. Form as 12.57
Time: 5.56
